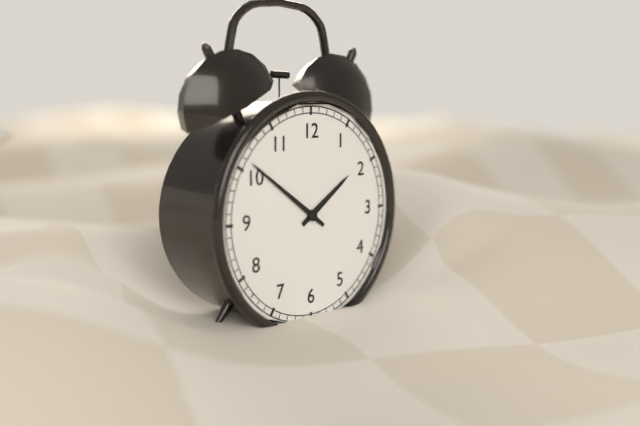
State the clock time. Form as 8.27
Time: 1.51
